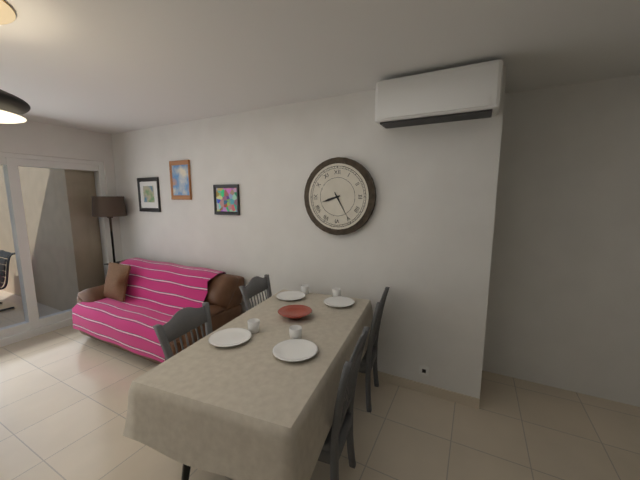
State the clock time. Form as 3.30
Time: 8.25
